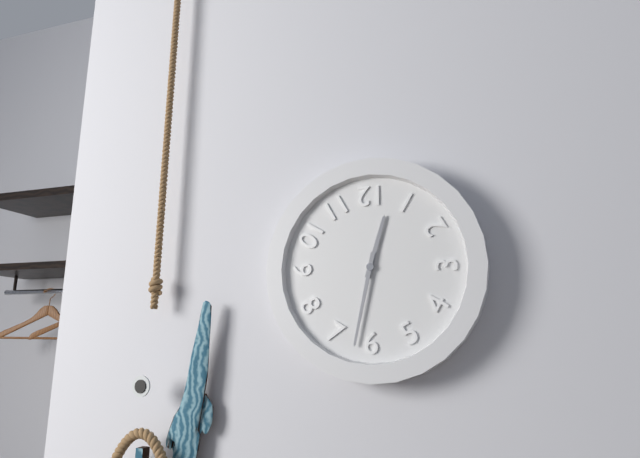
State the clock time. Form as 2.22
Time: 12.32
